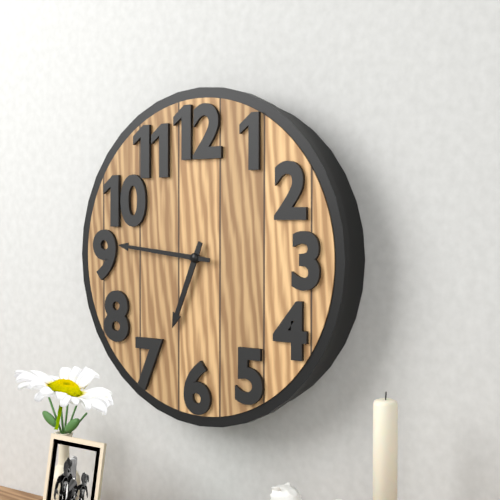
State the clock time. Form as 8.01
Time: 6.46
